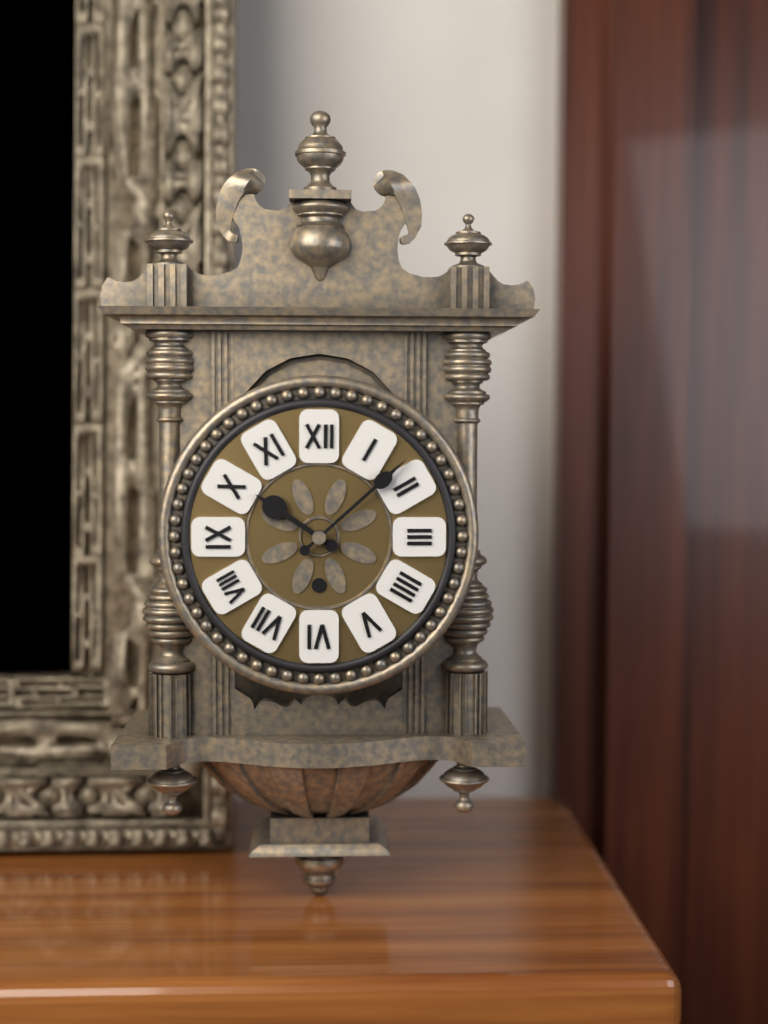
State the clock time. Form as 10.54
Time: 10.08
